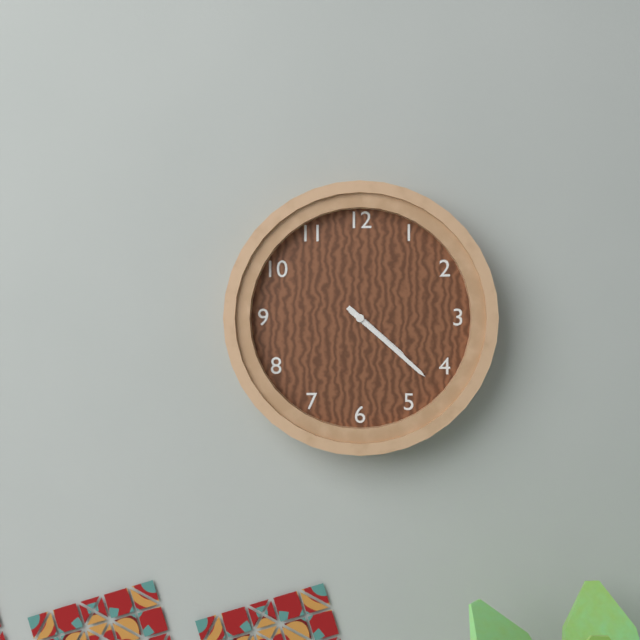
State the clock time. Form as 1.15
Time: 4.22
